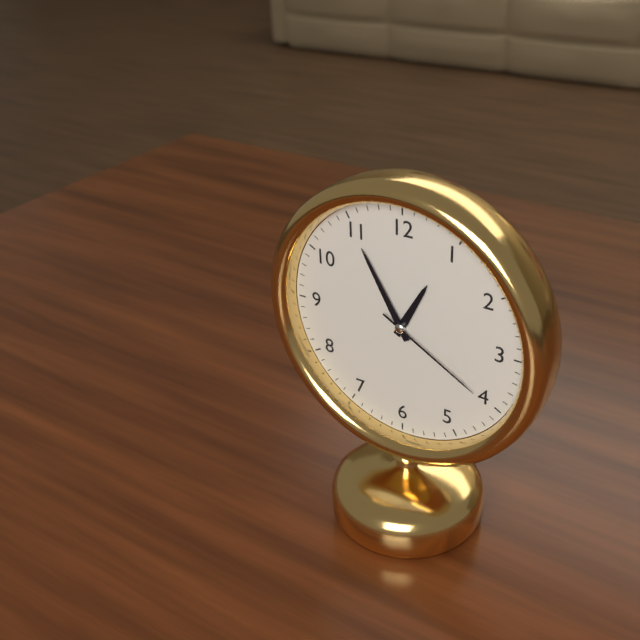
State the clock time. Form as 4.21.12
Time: 12.55.20
